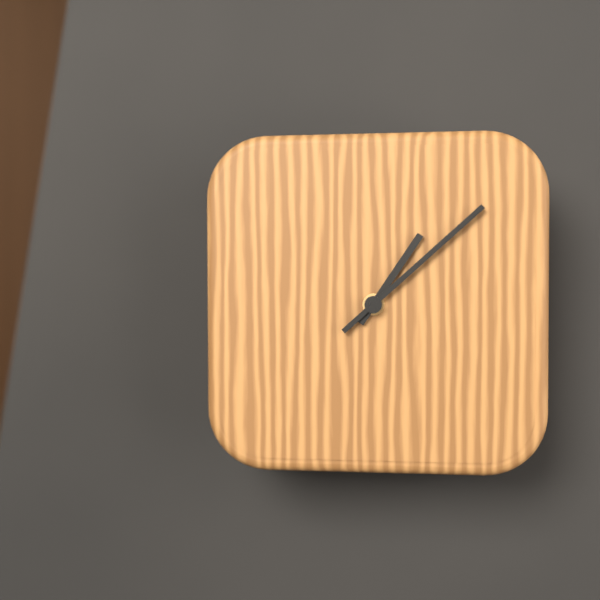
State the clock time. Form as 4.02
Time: 1.08
